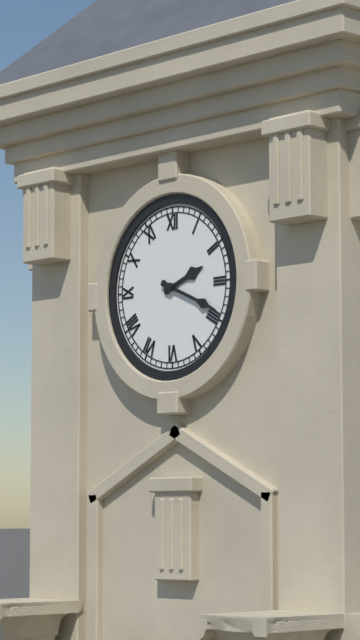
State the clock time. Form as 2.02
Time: 2.19
